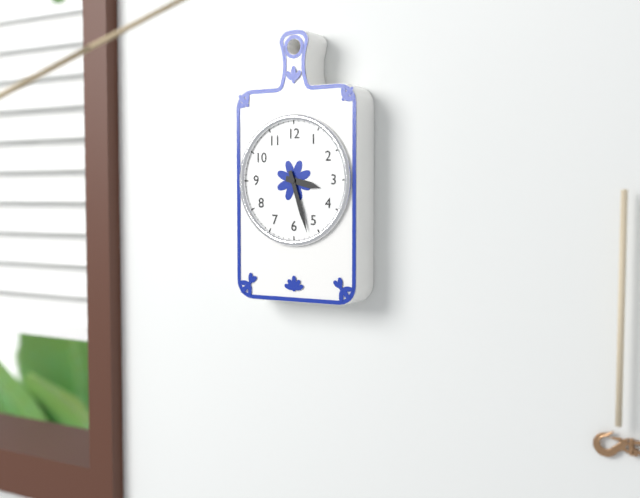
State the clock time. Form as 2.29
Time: 3.27
